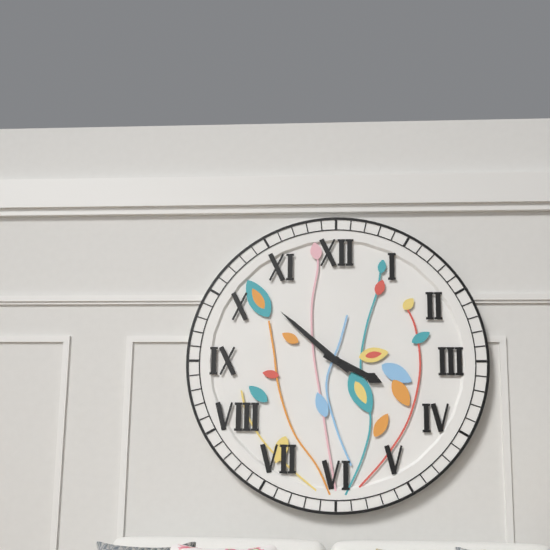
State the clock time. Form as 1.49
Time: 3.52
